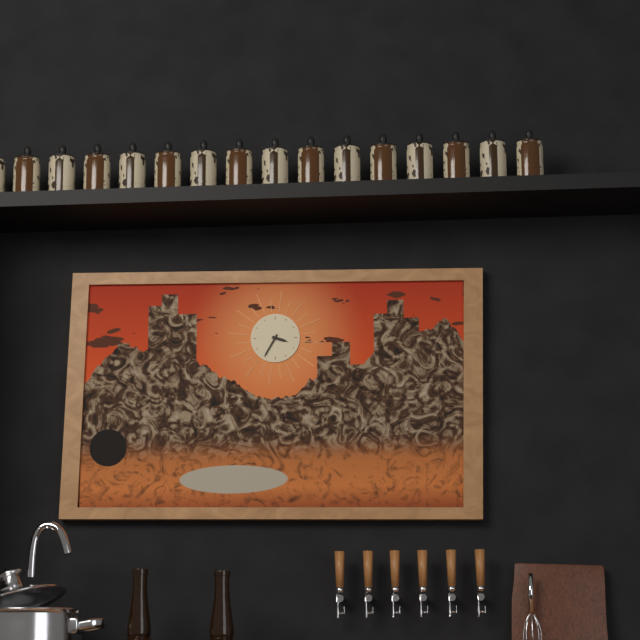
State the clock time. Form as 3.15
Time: 3.35
